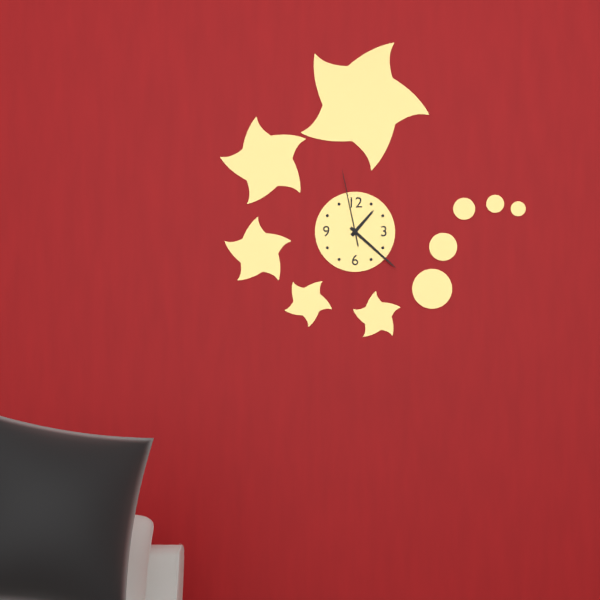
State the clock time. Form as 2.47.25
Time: 1.22.58
